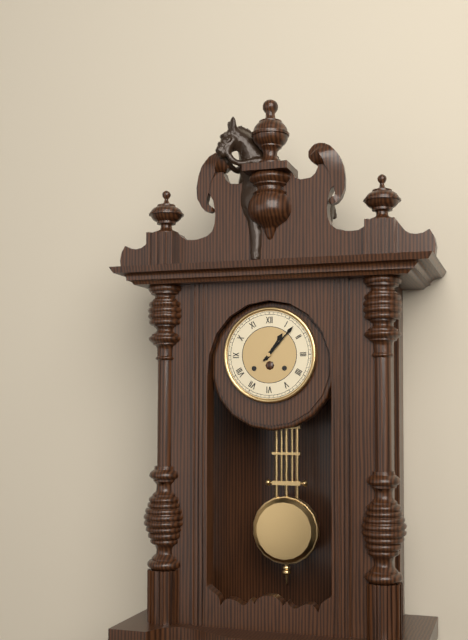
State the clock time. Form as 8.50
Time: 1.07
